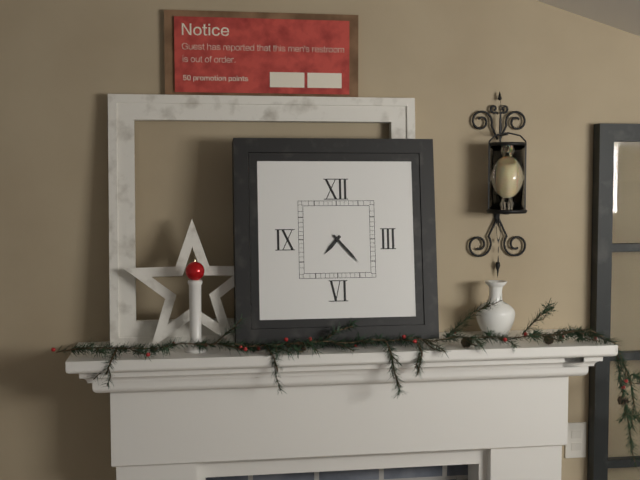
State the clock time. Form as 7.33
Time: 7.23
